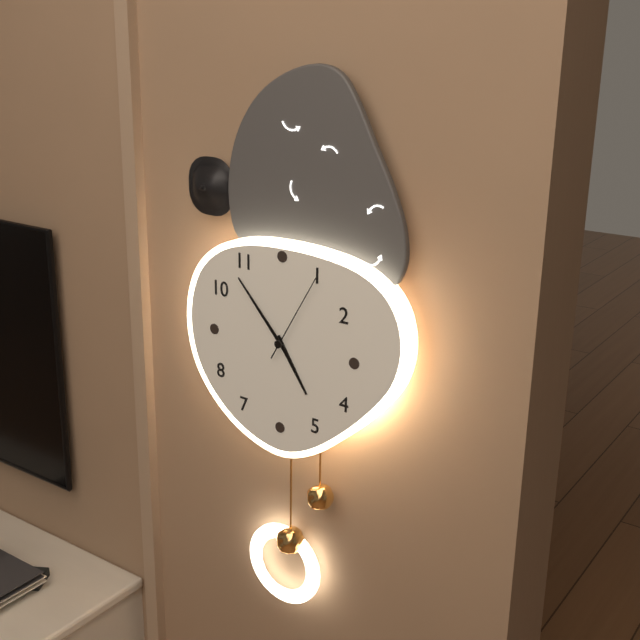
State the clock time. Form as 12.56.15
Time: 4.53.05
